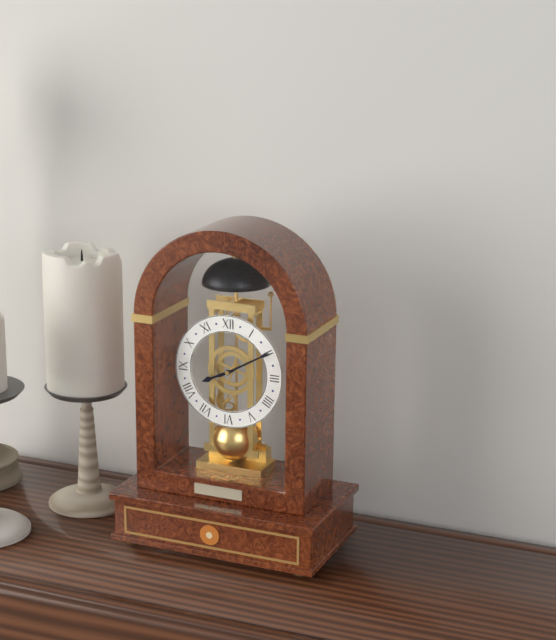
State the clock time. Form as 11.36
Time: 8.10
